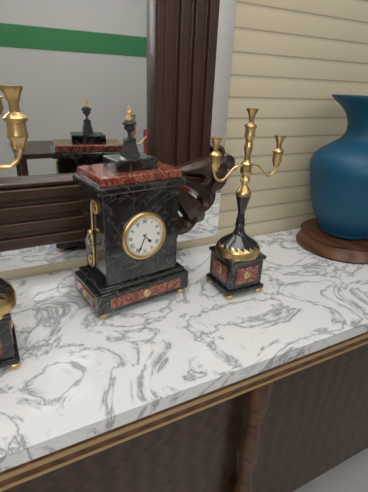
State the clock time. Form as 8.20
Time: 4.34
